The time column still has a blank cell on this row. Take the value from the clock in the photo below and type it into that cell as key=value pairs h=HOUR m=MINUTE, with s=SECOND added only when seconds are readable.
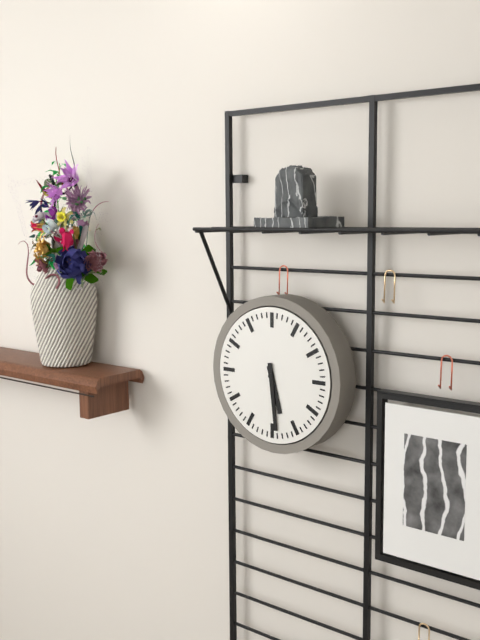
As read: h=5 m=29
